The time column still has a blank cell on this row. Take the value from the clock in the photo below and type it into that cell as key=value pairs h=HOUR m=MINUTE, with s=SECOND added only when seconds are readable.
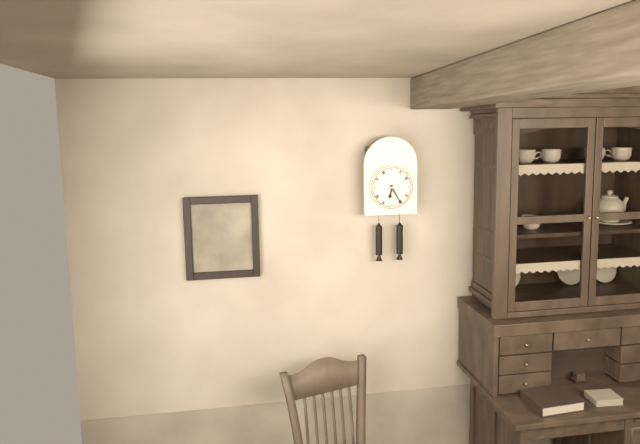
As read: h=6 m=25
